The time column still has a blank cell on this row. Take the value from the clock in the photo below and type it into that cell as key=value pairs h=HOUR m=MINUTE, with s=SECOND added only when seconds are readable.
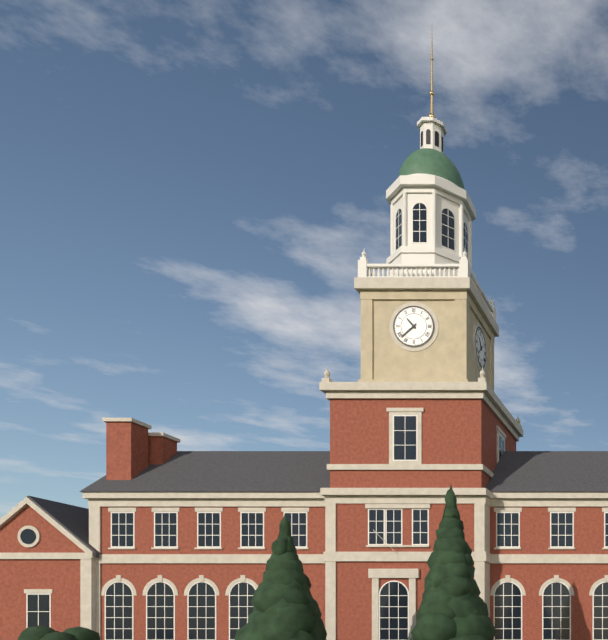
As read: h=10 m=38
